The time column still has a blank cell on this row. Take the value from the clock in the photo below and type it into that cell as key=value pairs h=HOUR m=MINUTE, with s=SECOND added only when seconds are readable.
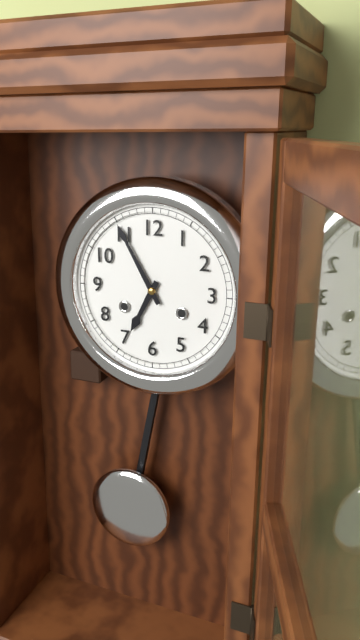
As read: h=6 m=55
